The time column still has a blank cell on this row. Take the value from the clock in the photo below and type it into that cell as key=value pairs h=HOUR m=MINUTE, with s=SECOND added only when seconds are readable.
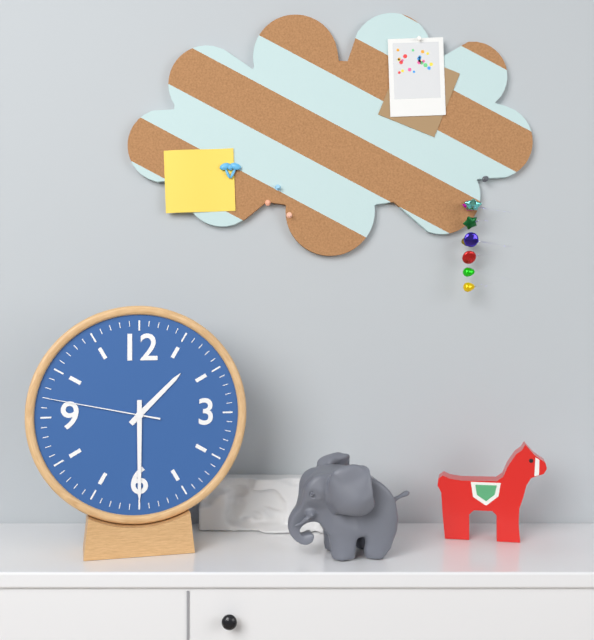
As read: h=1 m=30 s=47
